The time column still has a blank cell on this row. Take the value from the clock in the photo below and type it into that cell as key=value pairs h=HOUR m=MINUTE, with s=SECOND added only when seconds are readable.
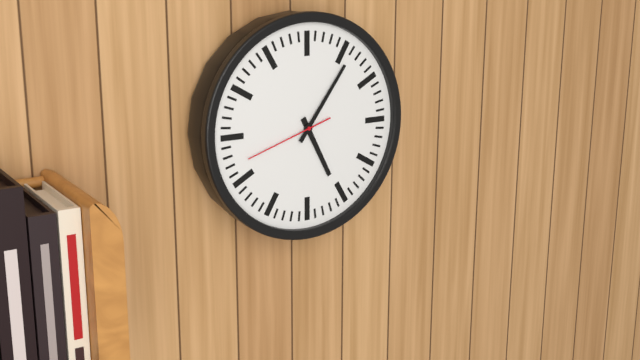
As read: h=5 m=6 s=42
